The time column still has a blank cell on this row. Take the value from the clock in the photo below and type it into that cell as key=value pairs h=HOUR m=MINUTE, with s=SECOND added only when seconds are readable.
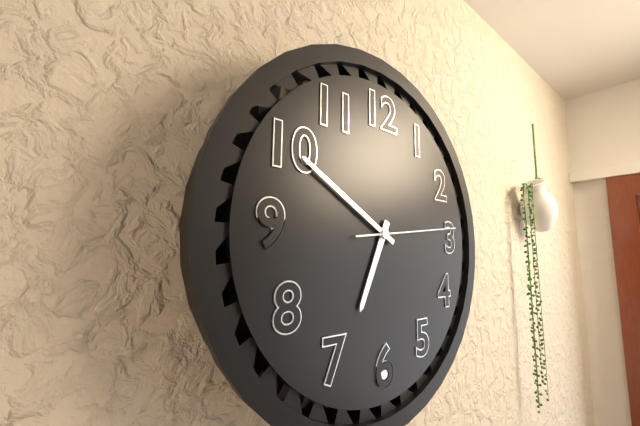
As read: h=6 m=50 s=14
